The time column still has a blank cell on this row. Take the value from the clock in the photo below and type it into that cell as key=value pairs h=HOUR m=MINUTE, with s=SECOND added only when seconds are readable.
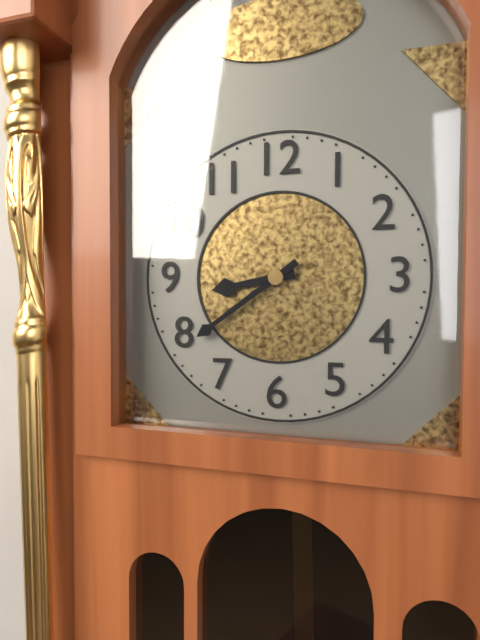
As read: h=8 m=39
